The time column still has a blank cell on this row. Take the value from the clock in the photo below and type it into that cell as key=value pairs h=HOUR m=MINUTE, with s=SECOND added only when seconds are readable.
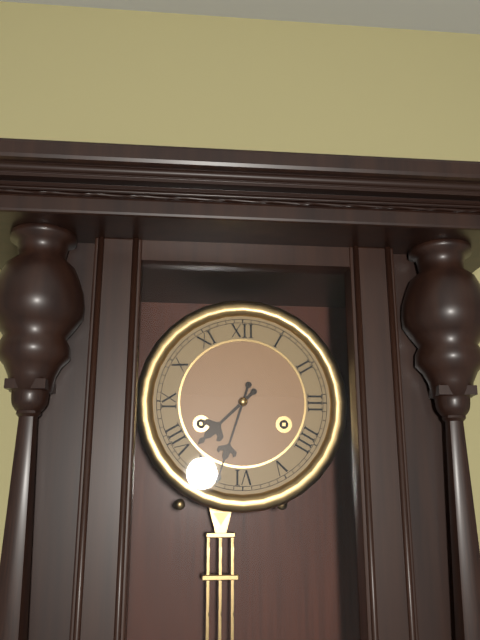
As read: h=7 m=33
